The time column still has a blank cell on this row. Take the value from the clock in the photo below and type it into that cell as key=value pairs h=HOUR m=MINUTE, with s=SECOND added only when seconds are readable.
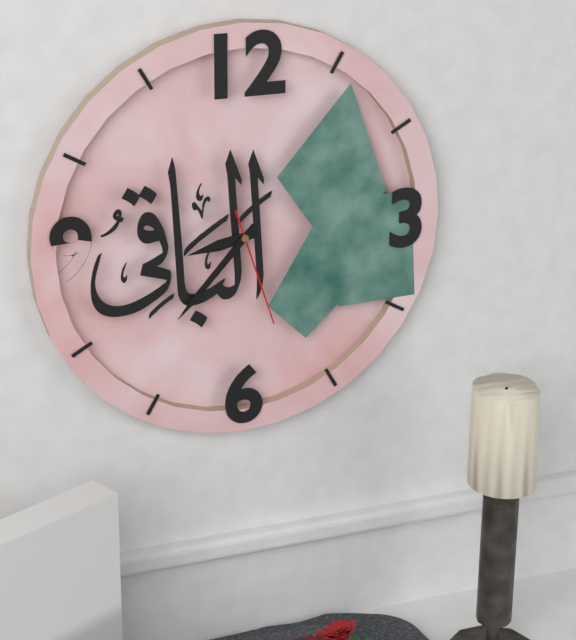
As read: h=8 m=37 s=27
